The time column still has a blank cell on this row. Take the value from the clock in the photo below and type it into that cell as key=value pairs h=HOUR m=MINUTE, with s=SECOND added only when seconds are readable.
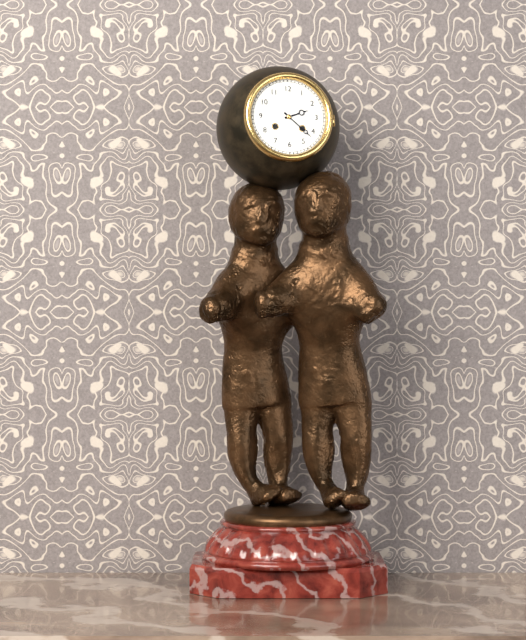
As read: h=2 m=22
